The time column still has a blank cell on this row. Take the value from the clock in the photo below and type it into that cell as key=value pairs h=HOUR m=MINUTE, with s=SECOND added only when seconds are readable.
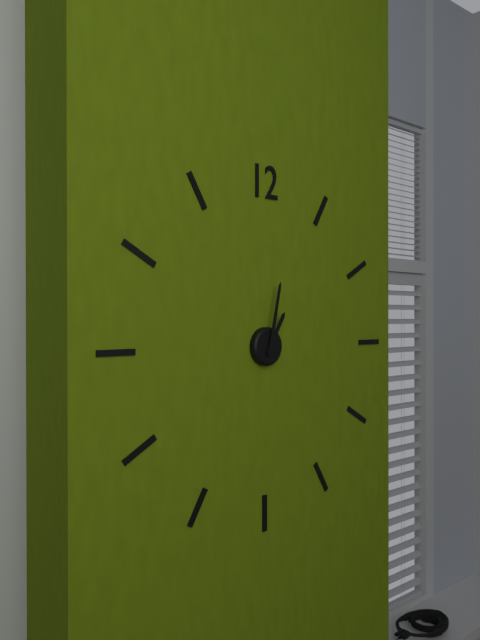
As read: h=1 m=2
